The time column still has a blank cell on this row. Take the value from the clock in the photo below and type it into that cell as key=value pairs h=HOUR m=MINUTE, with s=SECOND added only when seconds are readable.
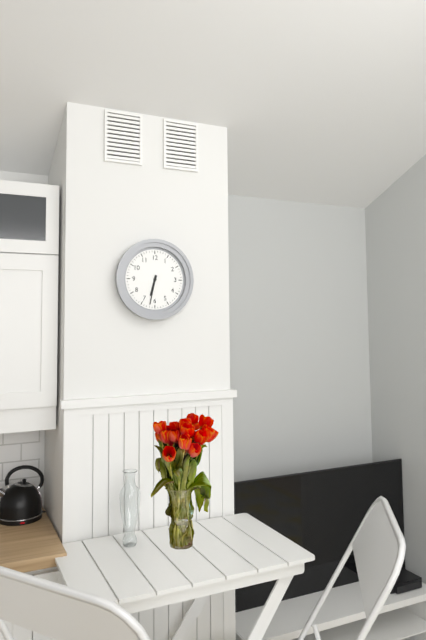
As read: h=6 m=32
